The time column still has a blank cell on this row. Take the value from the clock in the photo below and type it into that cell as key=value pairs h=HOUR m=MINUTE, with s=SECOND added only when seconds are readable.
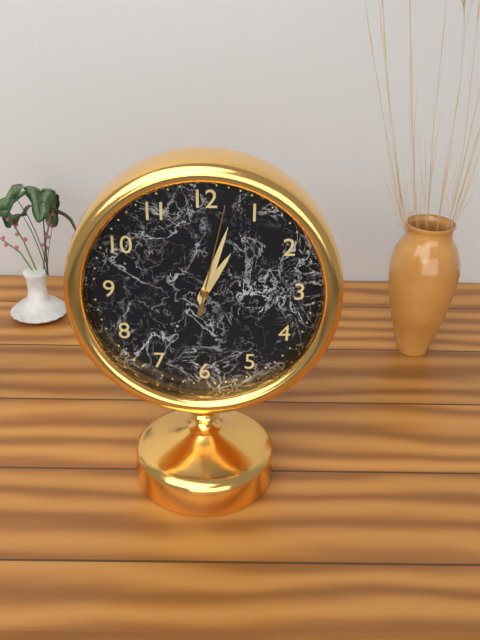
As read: h=1 m=3 s=2
